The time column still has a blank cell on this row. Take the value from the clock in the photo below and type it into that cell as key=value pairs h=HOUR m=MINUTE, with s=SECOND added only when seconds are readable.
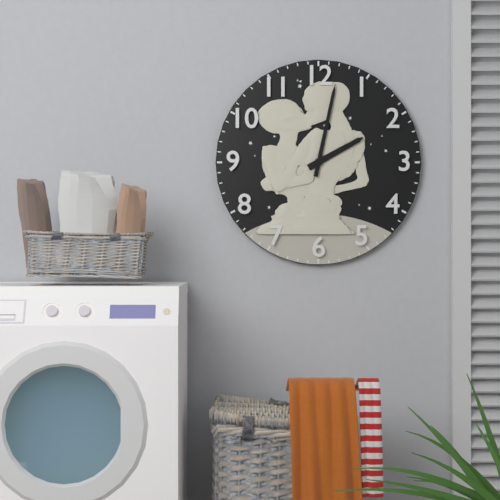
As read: h=2 m=2
